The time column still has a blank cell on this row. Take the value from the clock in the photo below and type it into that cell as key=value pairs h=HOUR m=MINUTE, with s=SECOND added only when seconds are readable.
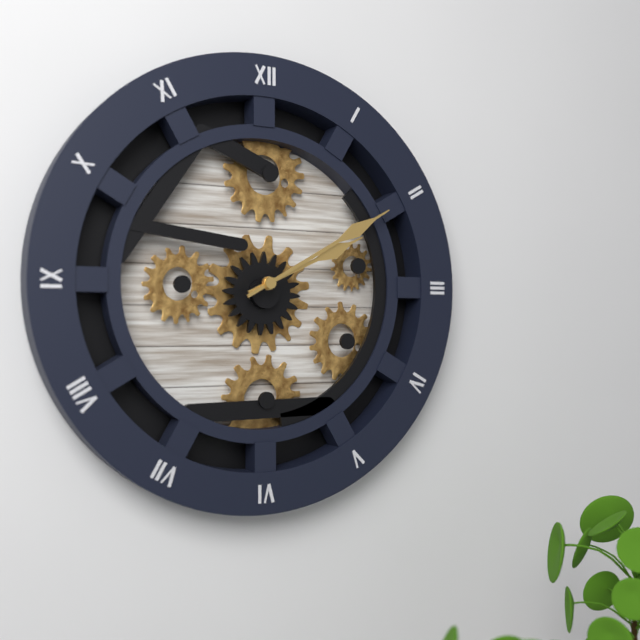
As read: h=2 m=10
